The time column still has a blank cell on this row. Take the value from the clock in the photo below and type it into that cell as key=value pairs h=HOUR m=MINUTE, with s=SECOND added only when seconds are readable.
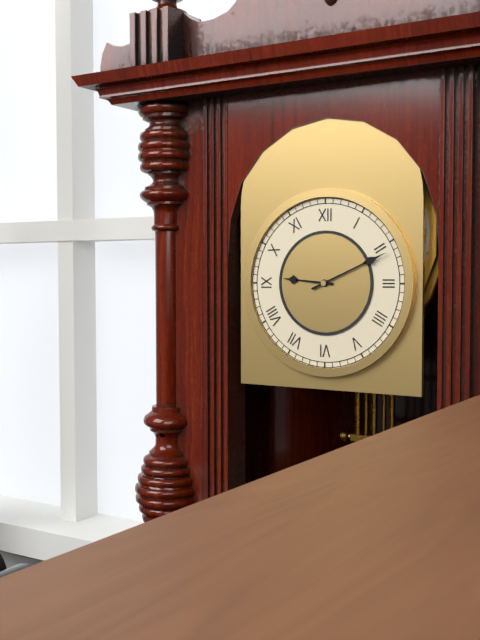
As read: h=9 m=11
